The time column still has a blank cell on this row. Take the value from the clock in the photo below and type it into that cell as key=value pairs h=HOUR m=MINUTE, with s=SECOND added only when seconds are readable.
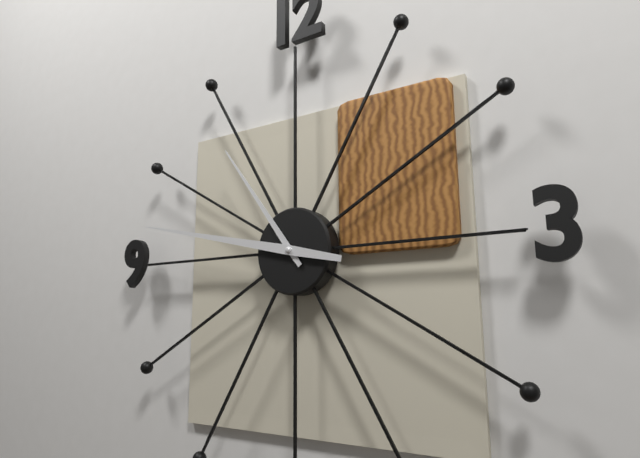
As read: h=10 m=47
